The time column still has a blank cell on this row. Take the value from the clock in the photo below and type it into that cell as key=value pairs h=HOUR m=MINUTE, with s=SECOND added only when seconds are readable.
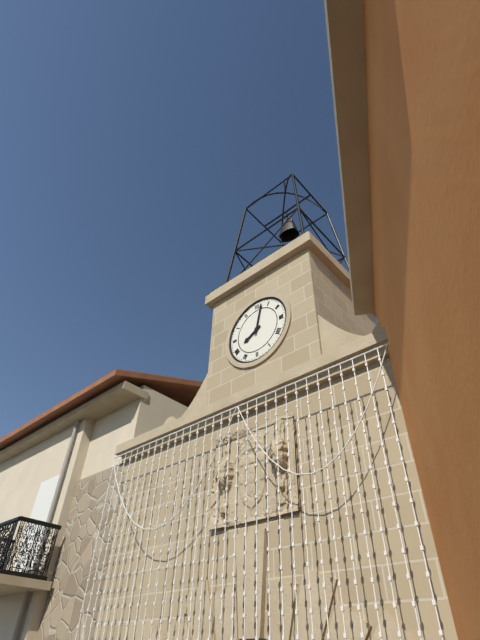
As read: h=8 m=2
